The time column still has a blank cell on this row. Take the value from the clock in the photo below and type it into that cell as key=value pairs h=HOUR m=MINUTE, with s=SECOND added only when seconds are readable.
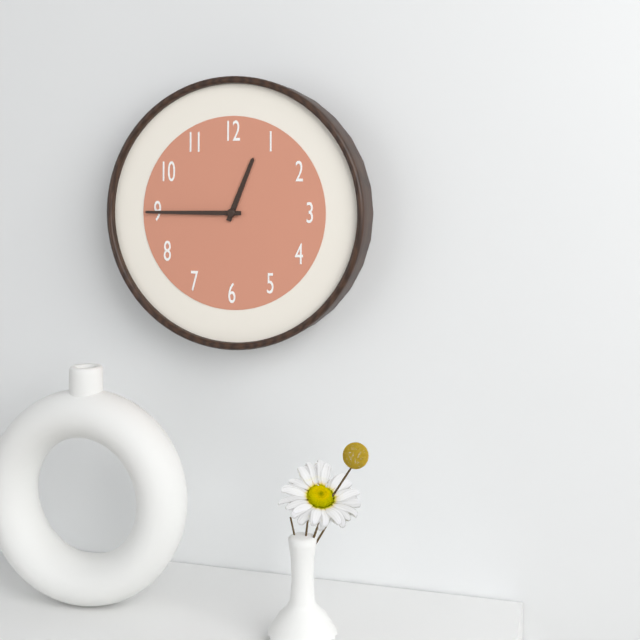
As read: h=12 m=45
